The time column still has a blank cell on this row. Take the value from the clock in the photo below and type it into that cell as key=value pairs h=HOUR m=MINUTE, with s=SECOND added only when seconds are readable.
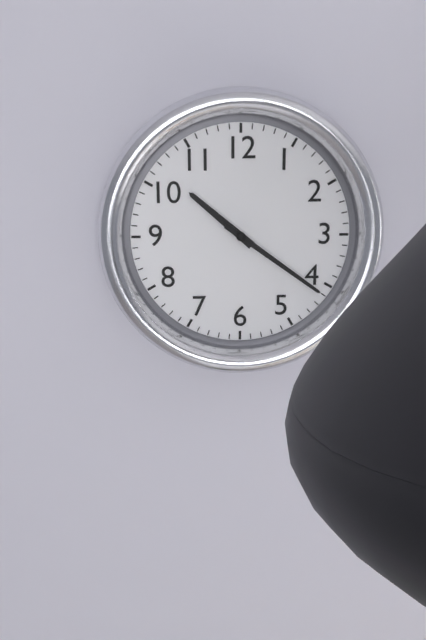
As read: h=10 m=21
